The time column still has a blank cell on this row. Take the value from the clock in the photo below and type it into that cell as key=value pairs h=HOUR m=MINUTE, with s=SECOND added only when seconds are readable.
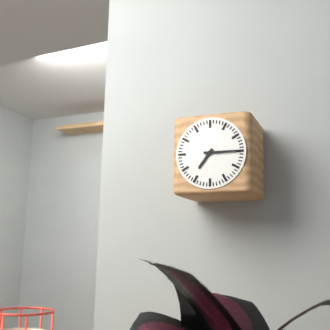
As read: h=7 m=15
